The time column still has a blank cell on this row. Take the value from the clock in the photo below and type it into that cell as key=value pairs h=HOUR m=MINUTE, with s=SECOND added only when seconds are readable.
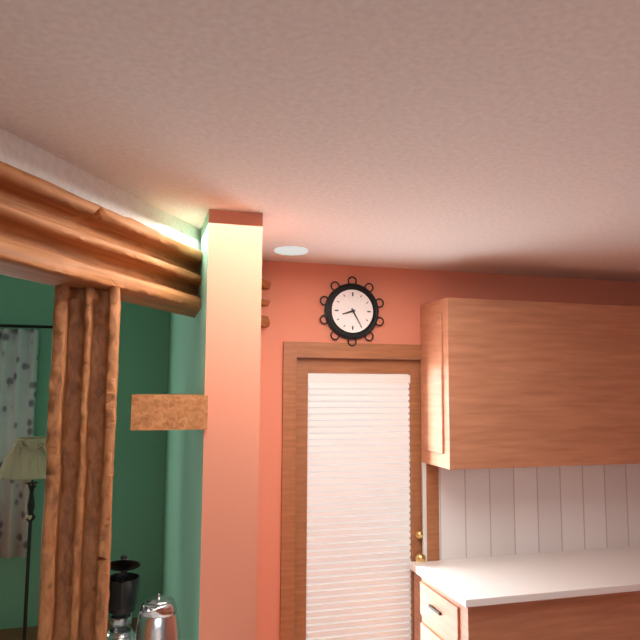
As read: h=8 m=25
